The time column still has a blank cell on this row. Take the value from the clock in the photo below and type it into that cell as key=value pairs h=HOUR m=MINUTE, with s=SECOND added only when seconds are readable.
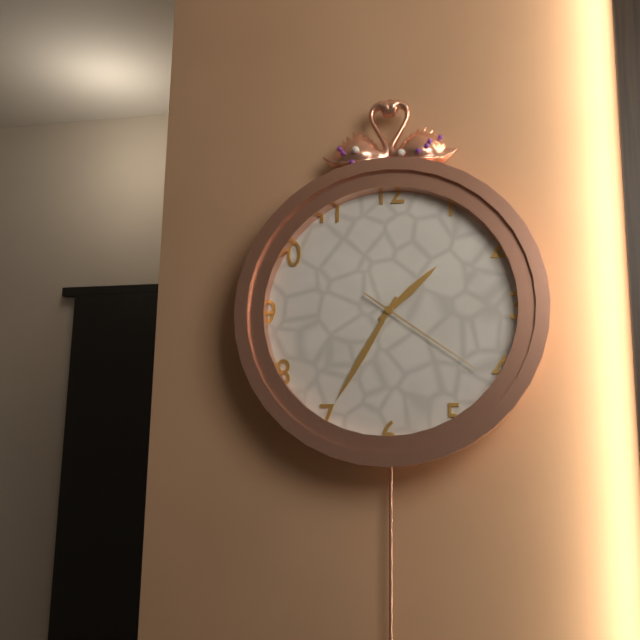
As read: h=1 m=35 s=21
